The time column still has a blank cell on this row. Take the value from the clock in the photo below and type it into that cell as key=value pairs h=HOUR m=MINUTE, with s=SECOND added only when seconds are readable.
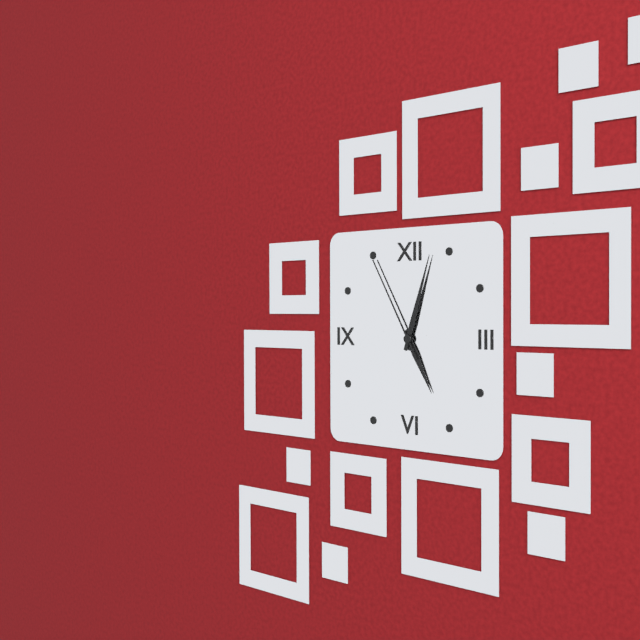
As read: h=5 m=3 s=55
